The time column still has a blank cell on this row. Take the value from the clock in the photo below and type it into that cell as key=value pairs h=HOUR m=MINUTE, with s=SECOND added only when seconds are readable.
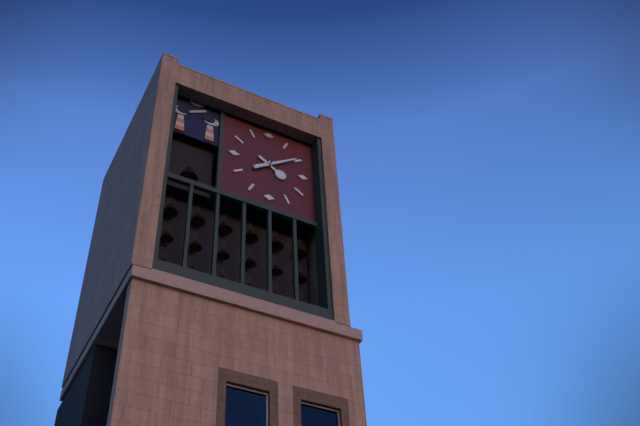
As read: h=4 m=9
